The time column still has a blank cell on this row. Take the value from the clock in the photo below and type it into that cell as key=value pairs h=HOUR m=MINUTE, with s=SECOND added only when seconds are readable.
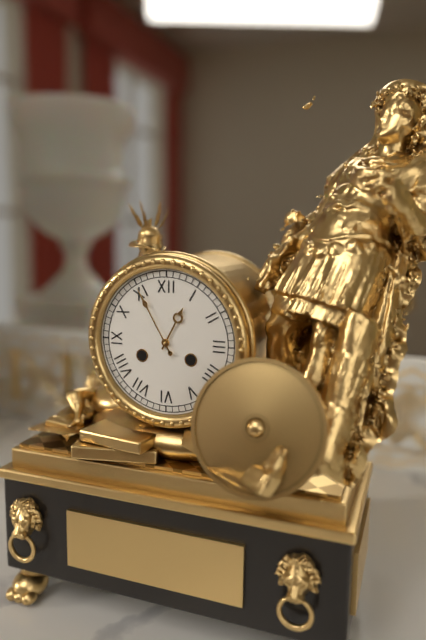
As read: h=12 m=55
